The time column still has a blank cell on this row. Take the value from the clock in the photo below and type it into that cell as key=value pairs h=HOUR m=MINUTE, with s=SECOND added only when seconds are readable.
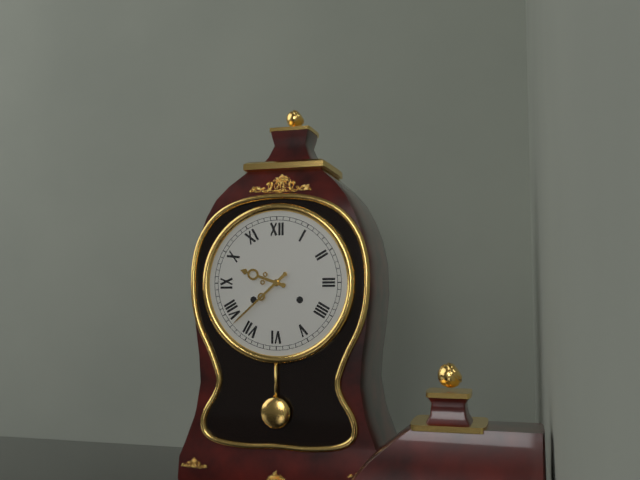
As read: h=9 m=38
